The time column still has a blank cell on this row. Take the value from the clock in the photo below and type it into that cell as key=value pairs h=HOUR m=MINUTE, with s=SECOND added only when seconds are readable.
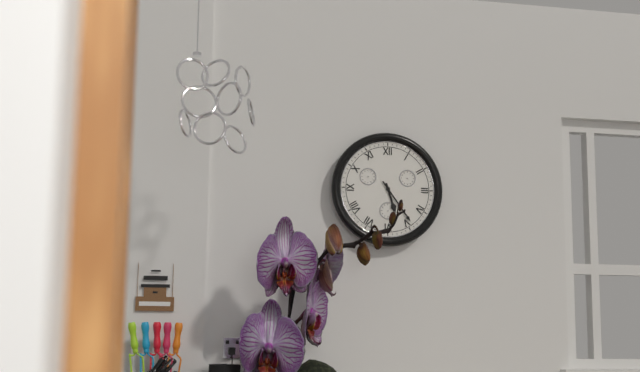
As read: h=5 m=24
